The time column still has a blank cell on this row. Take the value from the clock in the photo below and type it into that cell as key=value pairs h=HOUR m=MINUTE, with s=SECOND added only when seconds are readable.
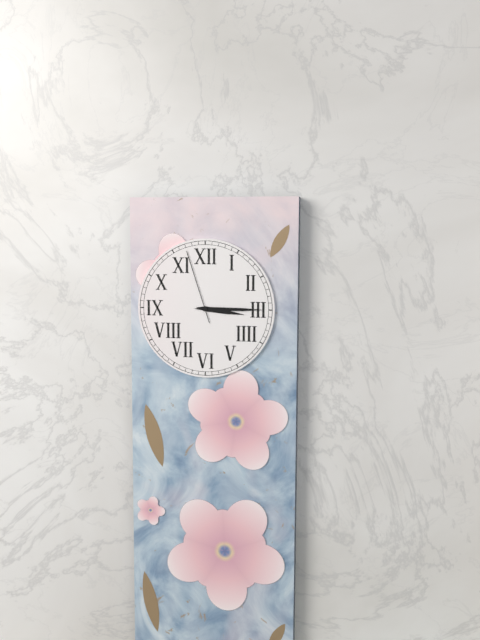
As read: h=3 m=15 s=57
